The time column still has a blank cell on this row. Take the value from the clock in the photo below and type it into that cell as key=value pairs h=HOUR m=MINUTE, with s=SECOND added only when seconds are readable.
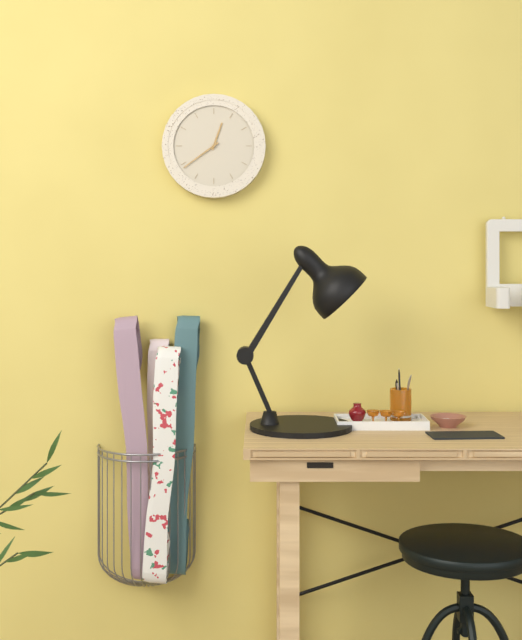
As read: h=12 m=39
